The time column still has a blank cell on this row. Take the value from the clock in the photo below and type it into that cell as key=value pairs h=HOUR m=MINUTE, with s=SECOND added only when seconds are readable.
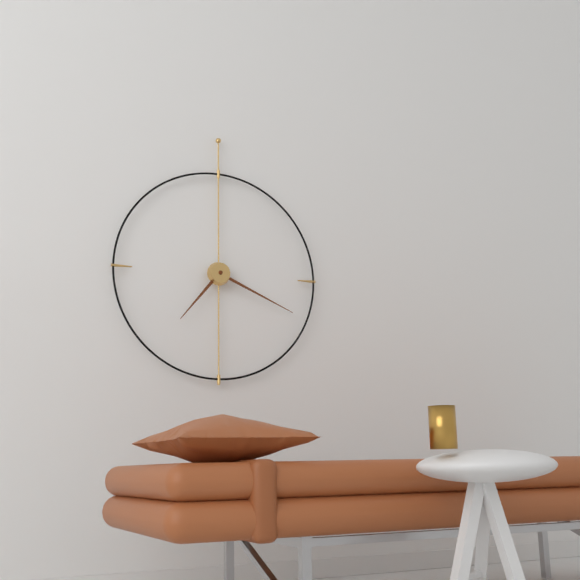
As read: h=7 m=19
